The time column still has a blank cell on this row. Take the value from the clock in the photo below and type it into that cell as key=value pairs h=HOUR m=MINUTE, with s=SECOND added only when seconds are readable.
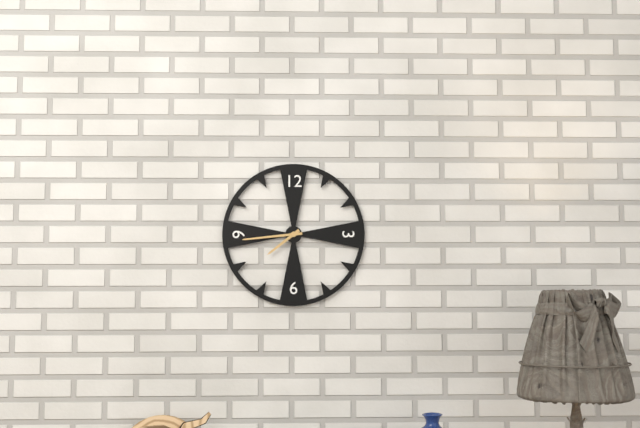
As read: h=7 m=44
